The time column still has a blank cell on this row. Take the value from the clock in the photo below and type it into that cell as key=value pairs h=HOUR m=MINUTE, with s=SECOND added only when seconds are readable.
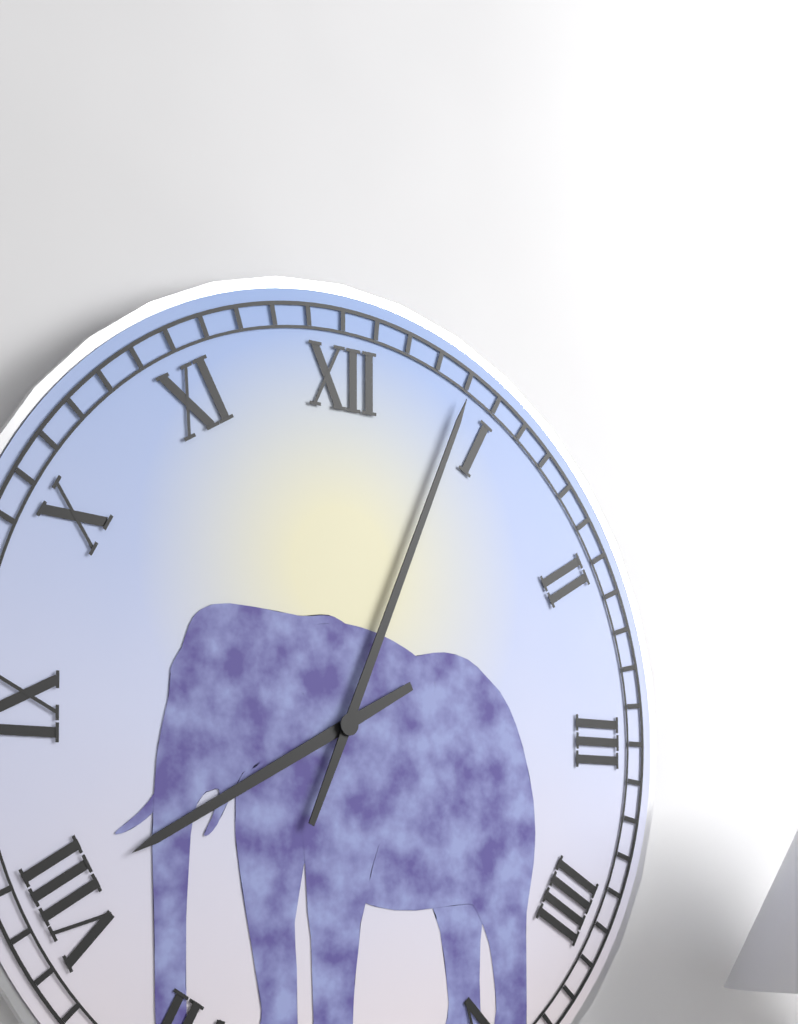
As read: h=8 m=4
